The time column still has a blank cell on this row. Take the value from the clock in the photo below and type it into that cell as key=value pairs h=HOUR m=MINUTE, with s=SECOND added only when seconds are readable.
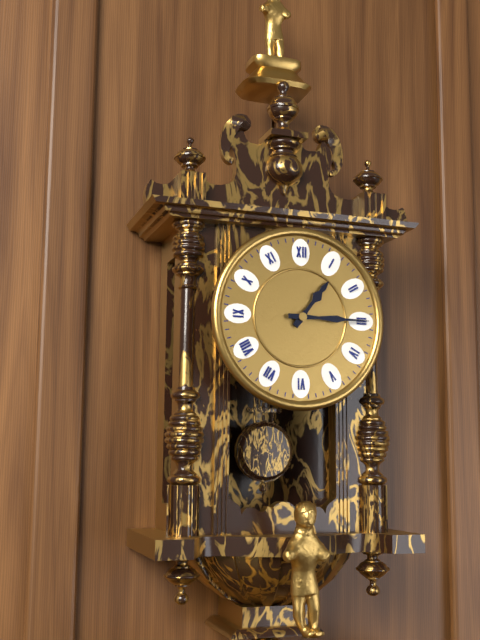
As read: h=1 m=15
